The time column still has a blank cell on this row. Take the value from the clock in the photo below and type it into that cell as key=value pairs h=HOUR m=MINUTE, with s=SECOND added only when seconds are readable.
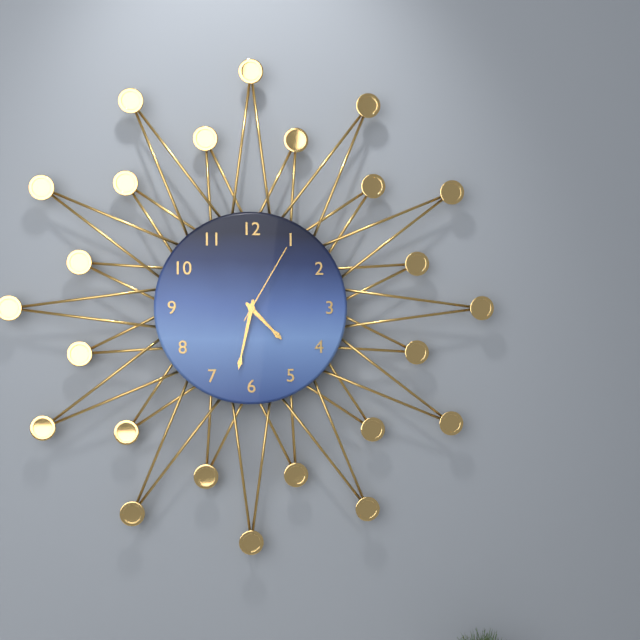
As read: h=4 m=32 s=5
